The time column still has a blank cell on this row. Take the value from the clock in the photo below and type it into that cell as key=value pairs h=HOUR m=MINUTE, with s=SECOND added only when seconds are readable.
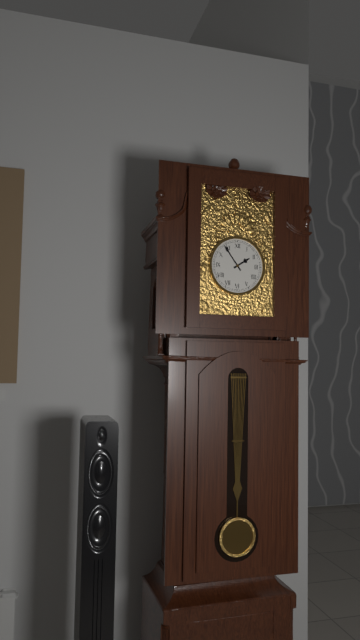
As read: h=1 m=54
